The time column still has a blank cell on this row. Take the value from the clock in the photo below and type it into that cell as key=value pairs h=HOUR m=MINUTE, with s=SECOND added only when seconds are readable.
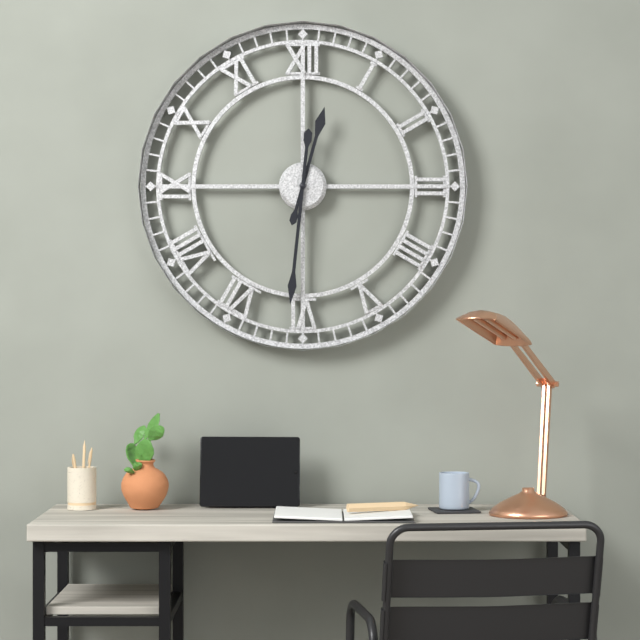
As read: h=12 m=31
